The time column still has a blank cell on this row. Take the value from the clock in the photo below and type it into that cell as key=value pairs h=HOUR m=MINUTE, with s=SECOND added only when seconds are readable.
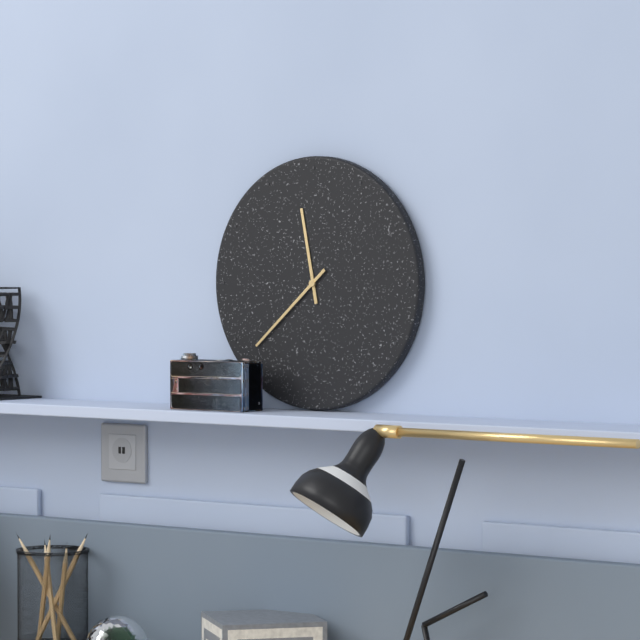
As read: h=11 m=38
